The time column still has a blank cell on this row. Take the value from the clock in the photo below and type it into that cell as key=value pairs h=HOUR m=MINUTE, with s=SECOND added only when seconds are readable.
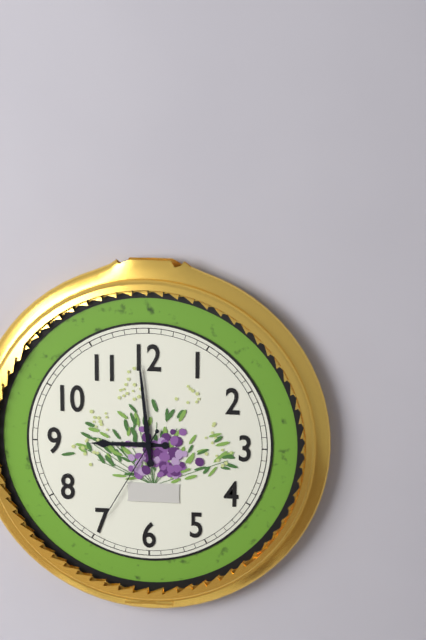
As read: h=8 m=59 s=35
